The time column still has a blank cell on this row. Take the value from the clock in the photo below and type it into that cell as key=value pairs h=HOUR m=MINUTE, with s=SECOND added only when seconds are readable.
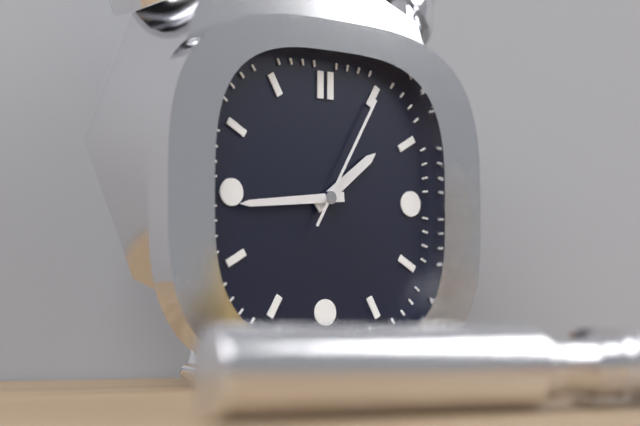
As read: h=1 m=44 s=5
